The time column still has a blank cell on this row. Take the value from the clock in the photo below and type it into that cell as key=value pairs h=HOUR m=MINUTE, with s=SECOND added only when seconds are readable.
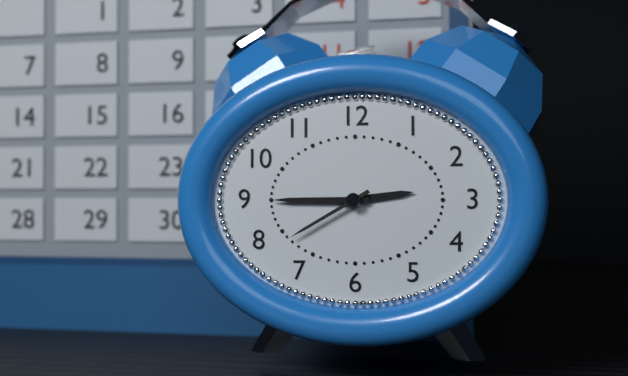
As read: h=2 m=45 s=40
